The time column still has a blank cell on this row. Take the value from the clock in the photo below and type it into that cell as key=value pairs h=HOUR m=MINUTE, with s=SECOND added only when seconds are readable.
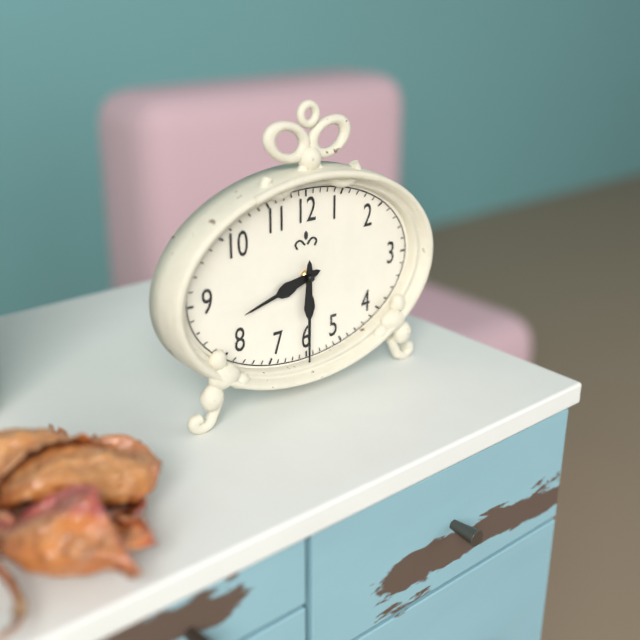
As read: h=8 m=30
